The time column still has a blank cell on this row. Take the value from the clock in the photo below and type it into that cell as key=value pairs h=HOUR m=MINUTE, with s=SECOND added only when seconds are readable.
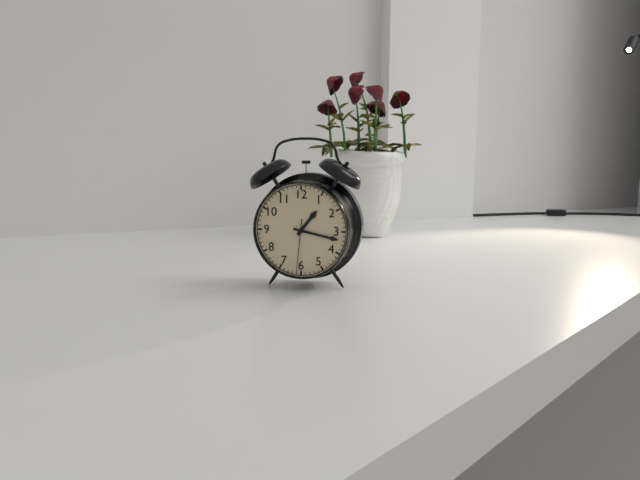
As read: h=1 m=17 s=31
